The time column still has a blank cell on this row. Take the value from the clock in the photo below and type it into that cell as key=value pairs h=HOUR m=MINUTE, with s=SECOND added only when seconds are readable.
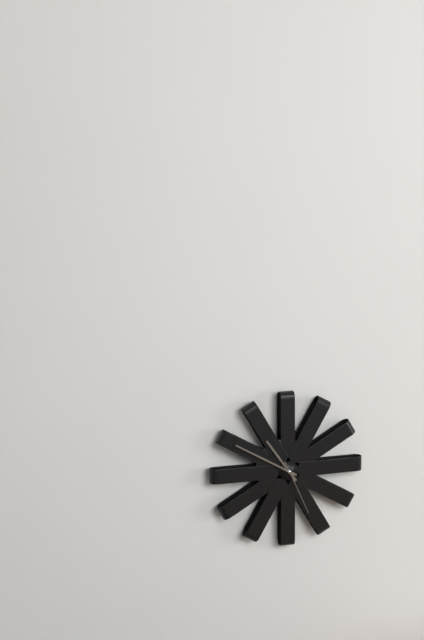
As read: h=10 m=50 s=26
